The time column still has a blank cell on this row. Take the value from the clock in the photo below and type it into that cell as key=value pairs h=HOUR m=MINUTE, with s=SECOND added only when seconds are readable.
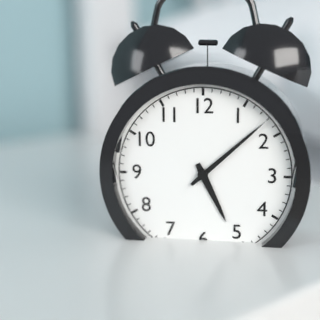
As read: h=5 m=8
